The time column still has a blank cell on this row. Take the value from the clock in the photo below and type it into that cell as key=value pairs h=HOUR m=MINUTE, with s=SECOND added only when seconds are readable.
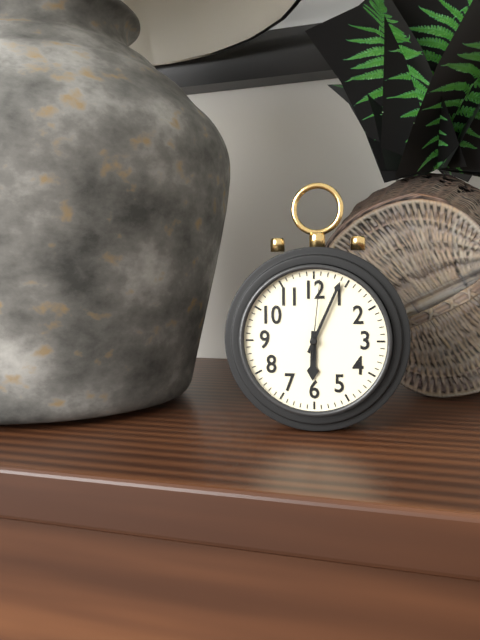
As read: h=6 m=4 s=1
